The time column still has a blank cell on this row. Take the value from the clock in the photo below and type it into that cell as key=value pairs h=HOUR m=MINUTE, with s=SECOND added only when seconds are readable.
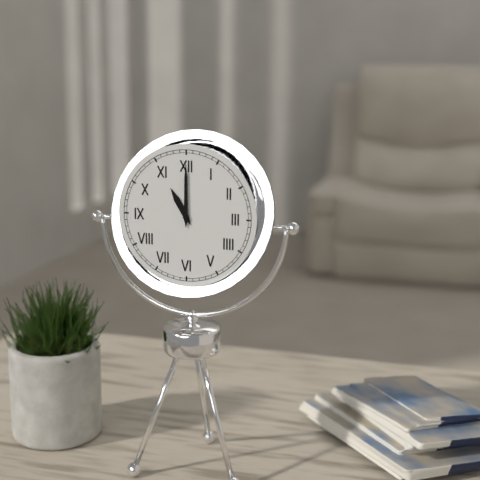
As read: h=11 m=0
